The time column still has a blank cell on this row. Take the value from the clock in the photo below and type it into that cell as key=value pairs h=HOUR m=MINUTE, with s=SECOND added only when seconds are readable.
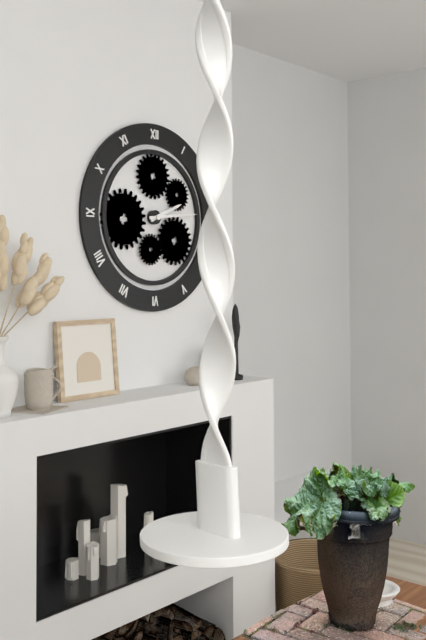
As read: h=2 m=14
